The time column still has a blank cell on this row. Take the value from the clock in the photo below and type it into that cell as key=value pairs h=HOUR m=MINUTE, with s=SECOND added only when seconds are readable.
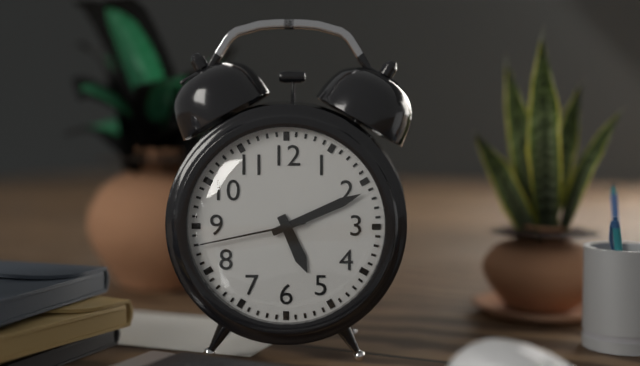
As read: h=5 m=11 s=43
